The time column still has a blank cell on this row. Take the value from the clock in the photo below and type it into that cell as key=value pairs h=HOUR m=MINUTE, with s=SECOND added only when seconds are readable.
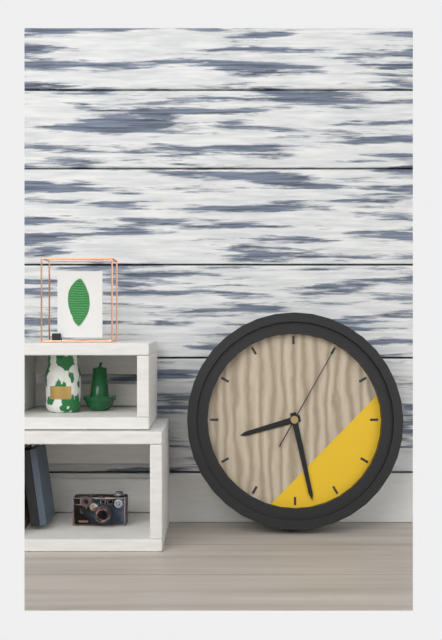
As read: h=8 m=28 s=5
